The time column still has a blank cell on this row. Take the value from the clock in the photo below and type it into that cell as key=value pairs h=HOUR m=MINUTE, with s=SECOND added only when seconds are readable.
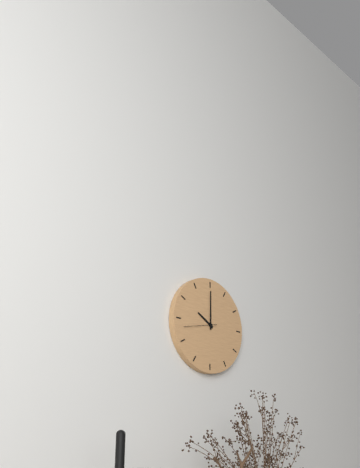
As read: h=10 m=0
